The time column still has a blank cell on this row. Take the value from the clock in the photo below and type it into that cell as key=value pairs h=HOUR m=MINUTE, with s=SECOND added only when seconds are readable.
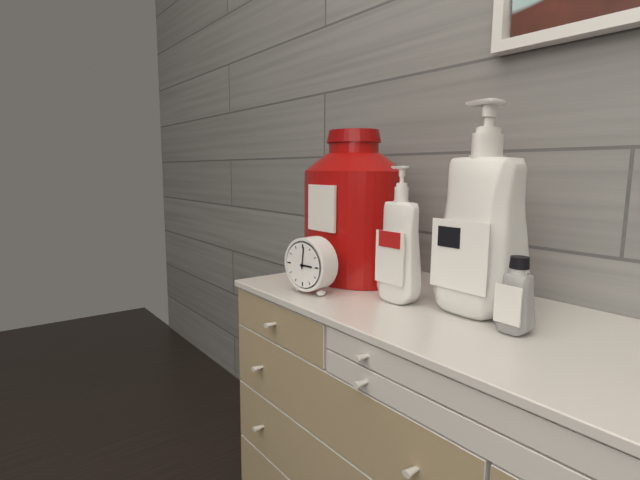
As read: h=3 m=1
